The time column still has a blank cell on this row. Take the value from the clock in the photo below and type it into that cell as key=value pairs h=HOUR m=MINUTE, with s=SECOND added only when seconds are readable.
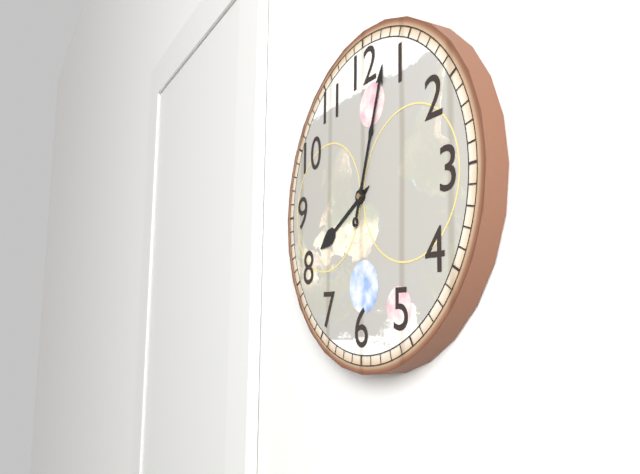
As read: h=8 m=3
